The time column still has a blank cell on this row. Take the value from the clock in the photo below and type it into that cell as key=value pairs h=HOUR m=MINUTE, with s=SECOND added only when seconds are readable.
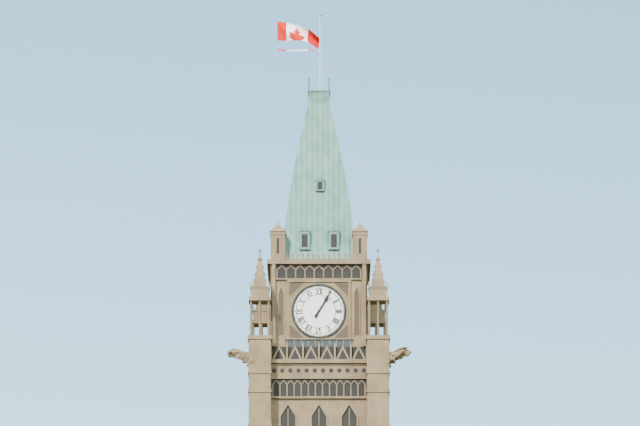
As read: h=1 m=5
